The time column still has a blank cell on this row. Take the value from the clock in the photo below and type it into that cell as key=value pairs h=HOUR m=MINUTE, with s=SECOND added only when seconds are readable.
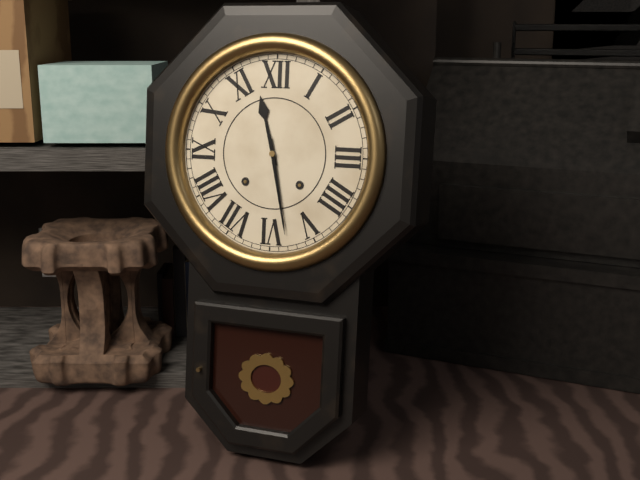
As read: h=11 m=28
